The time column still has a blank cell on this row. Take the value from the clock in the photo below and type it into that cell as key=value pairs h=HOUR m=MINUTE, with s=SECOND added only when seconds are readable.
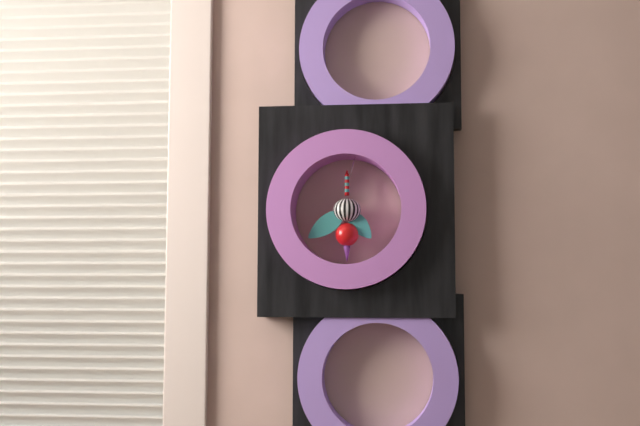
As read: h=4 m=39
